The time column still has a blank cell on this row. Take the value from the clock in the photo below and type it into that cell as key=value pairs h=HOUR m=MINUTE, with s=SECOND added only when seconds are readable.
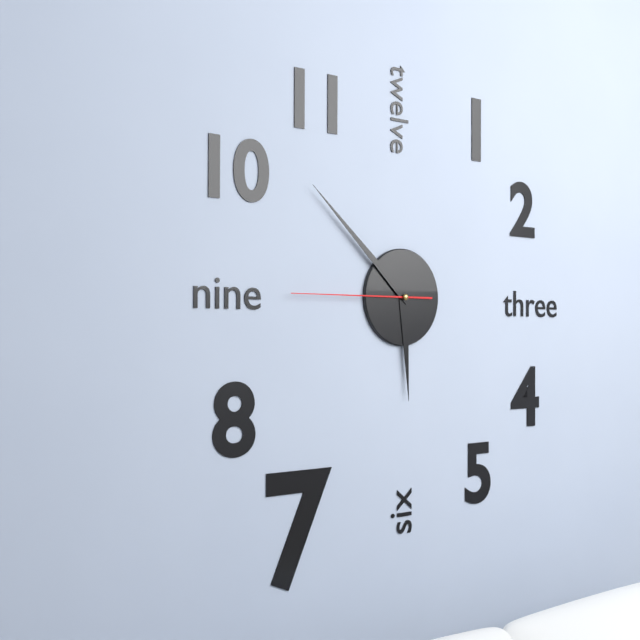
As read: h=5 m=52 s=45
